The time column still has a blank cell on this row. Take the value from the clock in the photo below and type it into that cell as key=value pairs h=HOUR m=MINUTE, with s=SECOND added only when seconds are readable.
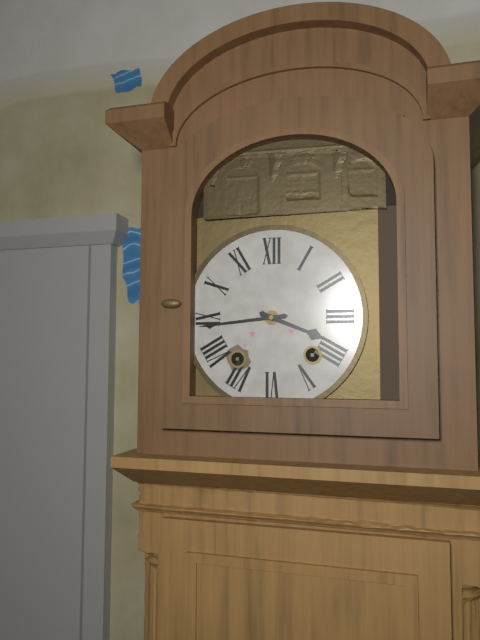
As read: h=3 m=44
